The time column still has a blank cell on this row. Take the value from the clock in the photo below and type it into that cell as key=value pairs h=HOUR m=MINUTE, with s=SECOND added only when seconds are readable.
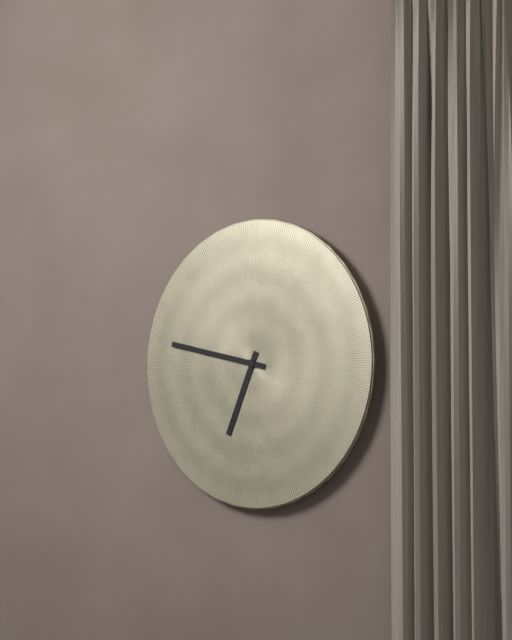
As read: h=6 m=47
